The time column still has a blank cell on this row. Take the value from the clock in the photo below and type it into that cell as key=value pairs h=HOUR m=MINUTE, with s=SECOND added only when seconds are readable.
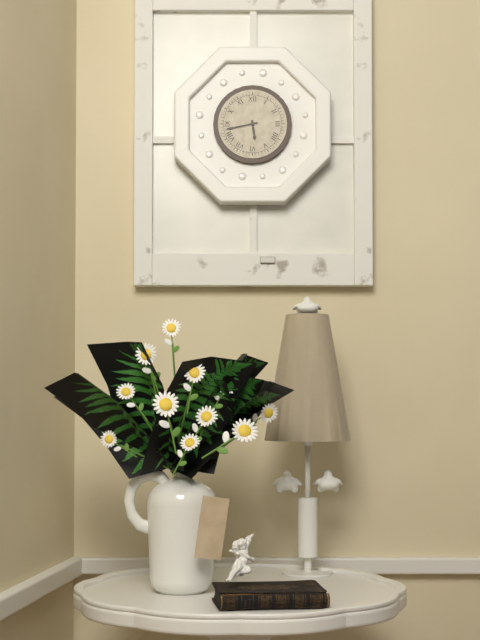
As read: h=5 m=43
